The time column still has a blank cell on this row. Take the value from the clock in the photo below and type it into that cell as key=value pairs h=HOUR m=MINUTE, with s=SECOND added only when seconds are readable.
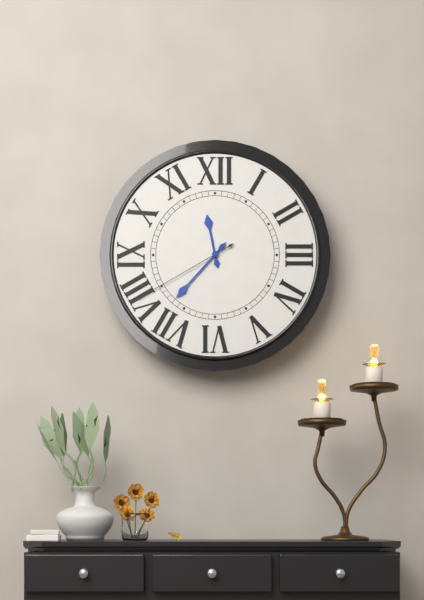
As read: h=11 m=37 s=40
